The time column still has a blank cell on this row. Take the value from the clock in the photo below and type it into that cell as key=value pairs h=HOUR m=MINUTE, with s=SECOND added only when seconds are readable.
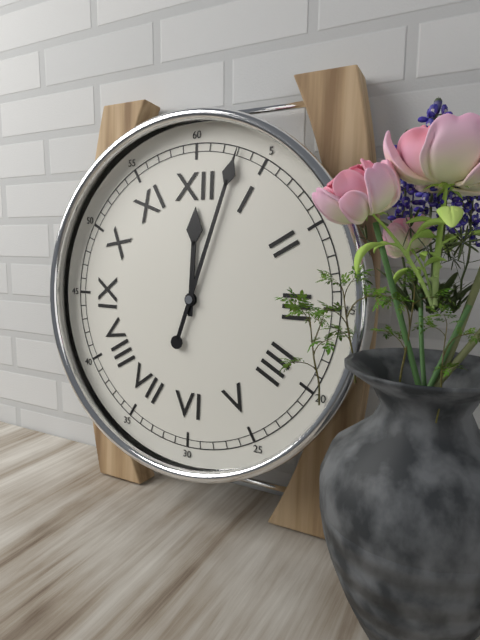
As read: h=12 m=3
